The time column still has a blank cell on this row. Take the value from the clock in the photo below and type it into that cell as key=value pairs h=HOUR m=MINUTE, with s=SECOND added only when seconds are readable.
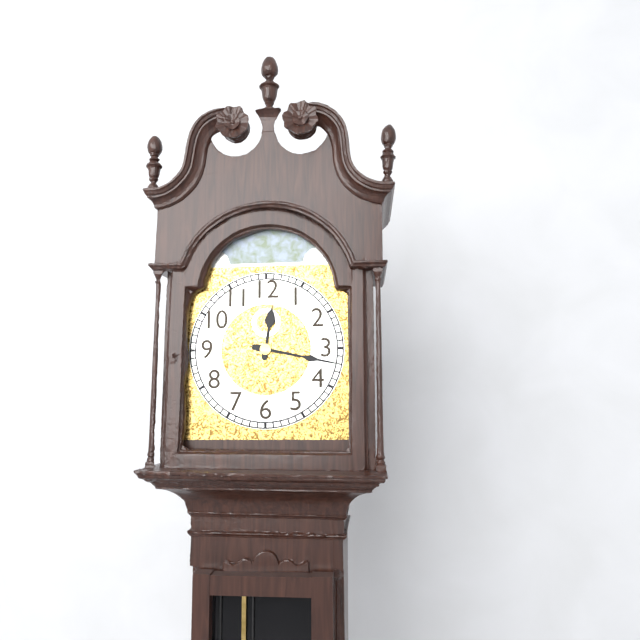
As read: h=12 m=17
